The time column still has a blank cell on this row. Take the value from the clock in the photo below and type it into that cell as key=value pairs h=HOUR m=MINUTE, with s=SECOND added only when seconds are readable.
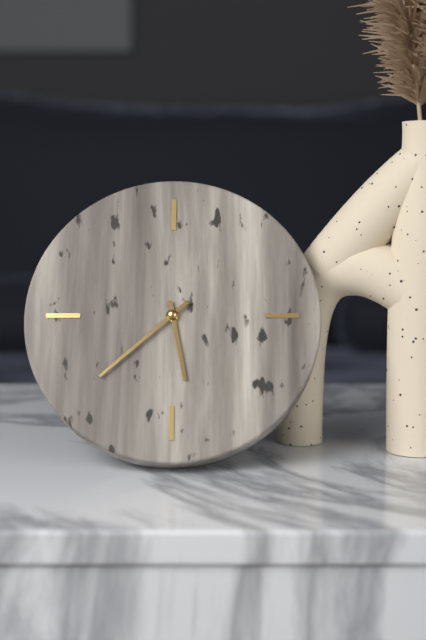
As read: h=5 m=38
